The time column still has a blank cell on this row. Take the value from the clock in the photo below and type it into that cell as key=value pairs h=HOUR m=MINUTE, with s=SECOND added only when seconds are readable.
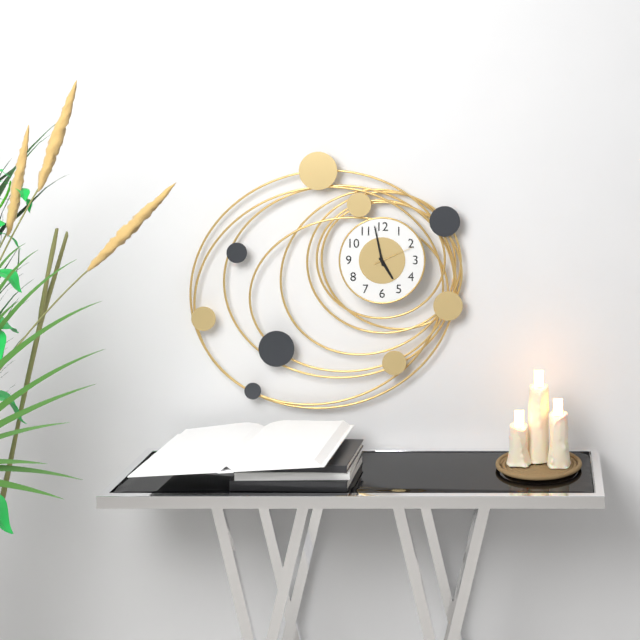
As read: h=4 m=58
